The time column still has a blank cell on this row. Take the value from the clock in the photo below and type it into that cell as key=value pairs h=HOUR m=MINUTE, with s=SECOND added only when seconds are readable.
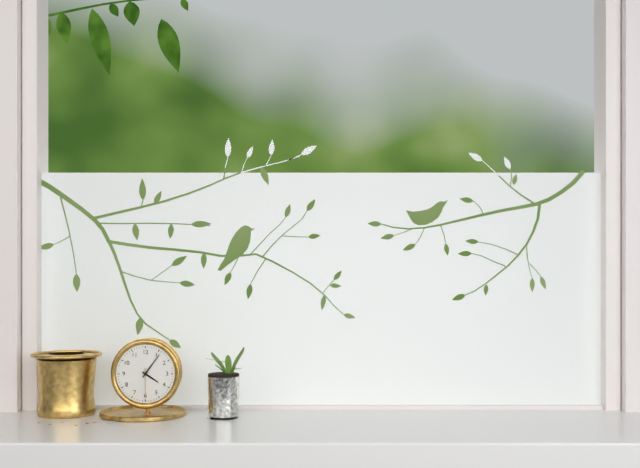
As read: h=4 m=6
